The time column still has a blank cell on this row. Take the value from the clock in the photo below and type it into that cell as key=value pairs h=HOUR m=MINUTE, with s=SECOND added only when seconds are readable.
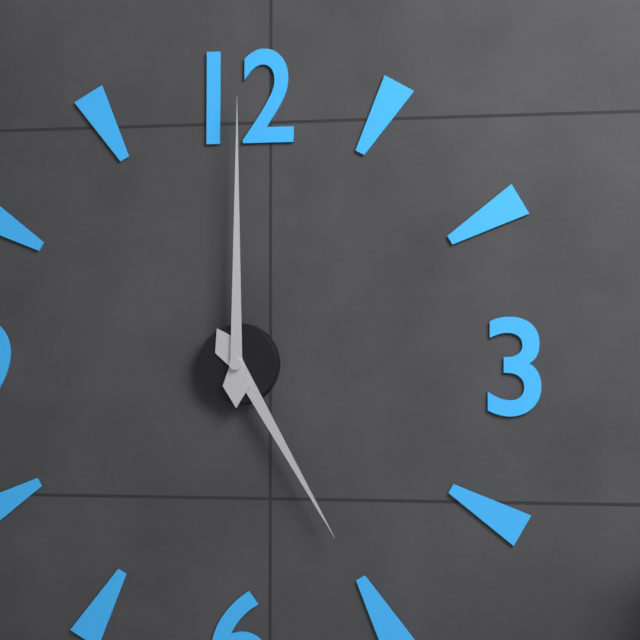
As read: h=5 m=0
